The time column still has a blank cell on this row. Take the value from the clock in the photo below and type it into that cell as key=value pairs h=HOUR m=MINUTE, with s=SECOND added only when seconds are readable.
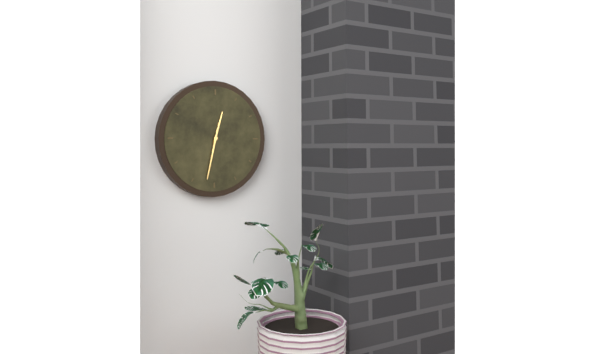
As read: h=12 m=32
